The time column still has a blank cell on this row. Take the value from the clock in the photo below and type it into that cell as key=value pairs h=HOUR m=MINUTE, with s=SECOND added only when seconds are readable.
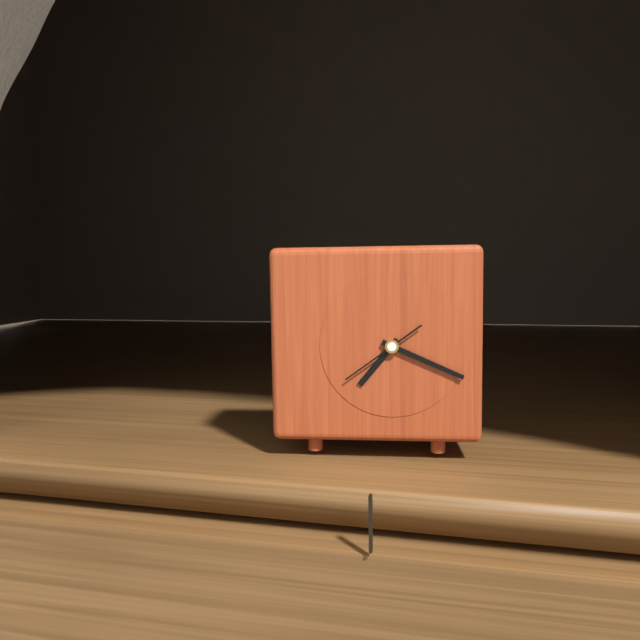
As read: h=7 m=19 s=39
